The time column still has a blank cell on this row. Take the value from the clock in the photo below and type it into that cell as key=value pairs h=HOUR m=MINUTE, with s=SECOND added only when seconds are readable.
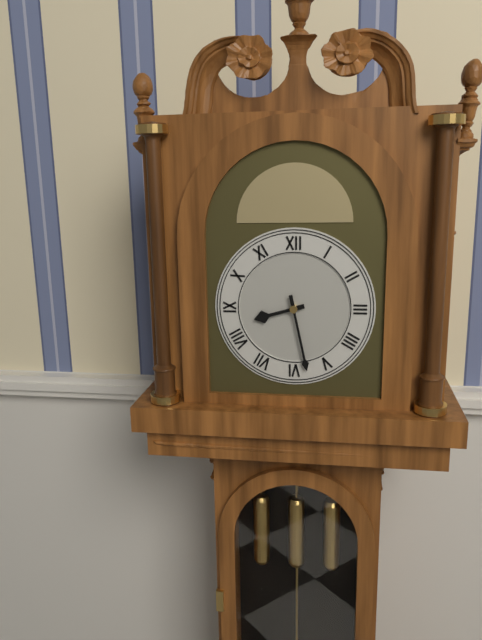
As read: h=8 m=28
